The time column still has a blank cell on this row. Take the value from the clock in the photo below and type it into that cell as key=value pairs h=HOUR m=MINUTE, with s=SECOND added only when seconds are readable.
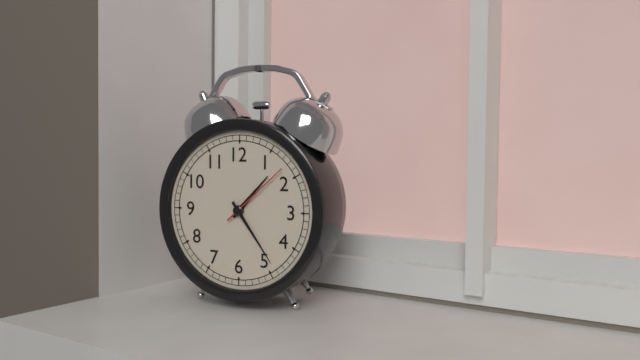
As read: h=1 m=24 s=8
